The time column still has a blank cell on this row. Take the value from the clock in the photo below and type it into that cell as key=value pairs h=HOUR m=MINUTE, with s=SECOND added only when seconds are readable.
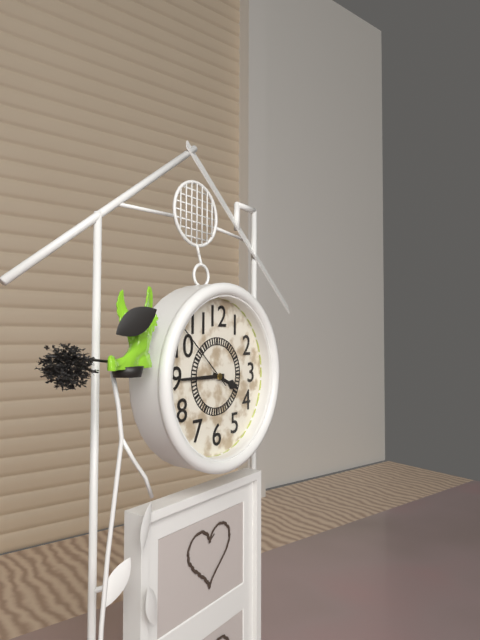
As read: h=3 m=45 s=52
